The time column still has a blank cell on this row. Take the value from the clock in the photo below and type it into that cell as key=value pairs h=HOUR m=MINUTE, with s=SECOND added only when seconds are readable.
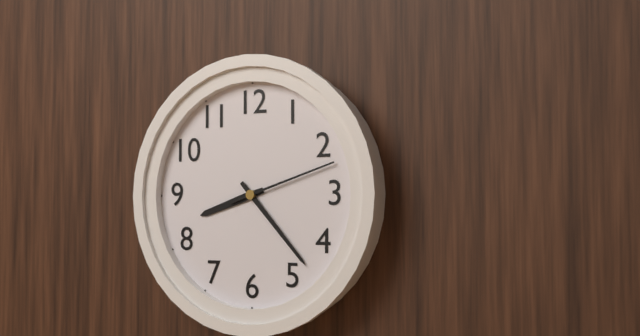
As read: h=8 m=23 s=12
